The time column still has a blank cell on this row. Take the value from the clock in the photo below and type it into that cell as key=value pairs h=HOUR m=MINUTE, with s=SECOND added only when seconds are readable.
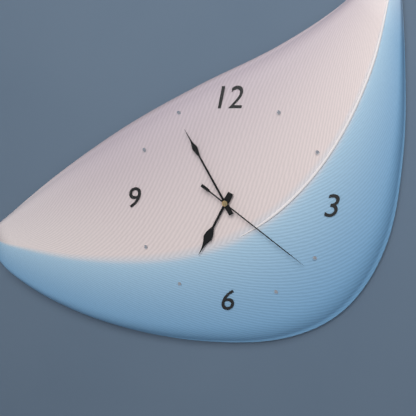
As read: h=6 m=55 s=21
